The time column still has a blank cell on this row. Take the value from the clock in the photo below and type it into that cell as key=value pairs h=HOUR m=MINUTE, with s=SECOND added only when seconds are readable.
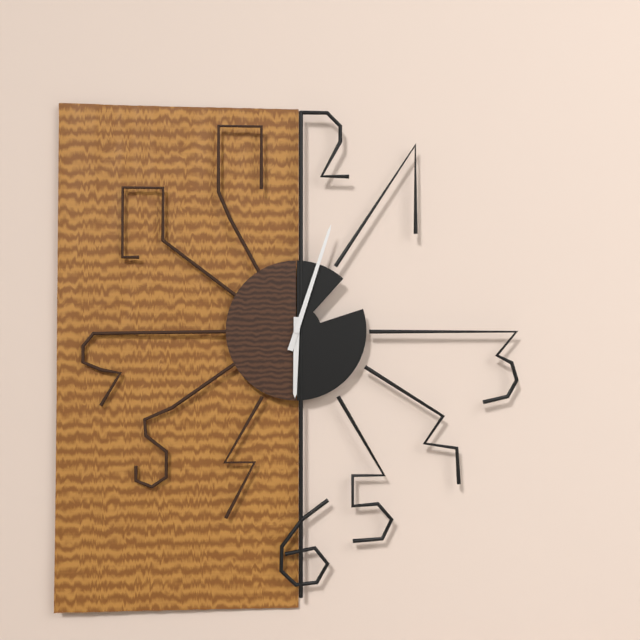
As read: h=6 m=3
